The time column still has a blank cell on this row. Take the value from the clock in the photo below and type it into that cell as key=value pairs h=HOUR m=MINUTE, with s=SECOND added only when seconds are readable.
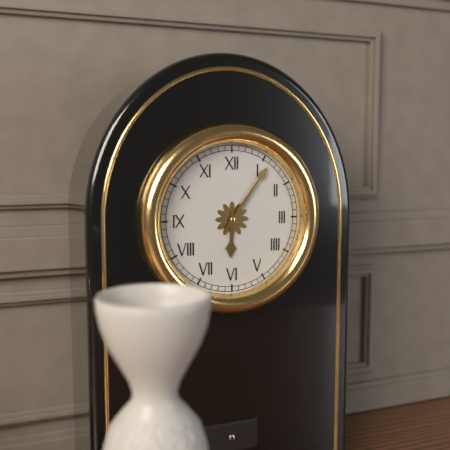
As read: h=6 m=6
